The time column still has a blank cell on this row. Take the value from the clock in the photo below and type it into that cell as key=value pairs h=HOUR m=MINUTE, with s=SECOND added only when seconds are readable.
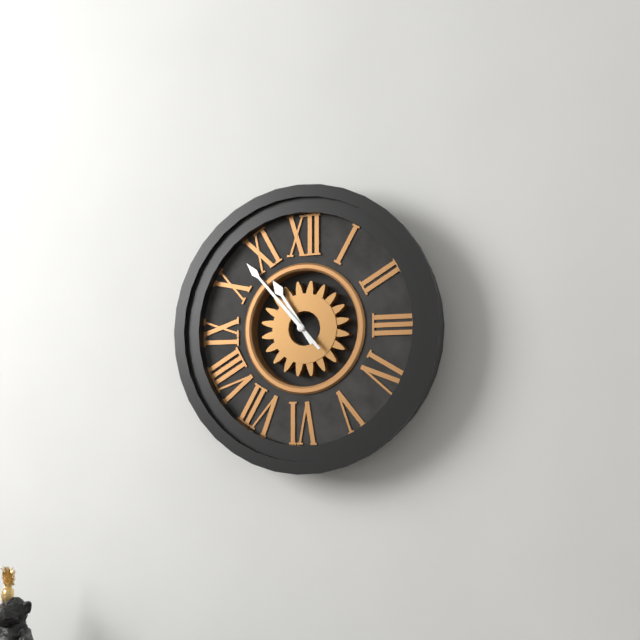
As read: h=10 m=53
